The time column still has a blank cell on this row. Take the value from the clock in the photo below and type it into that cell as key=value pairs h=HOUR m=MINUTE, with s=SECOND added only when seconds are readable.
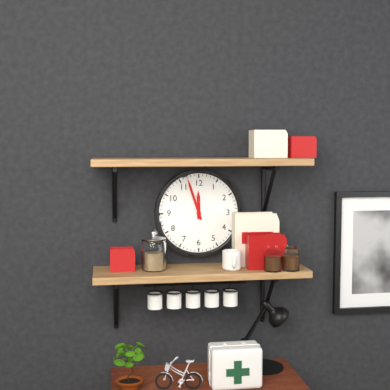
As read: h=11 m=57
